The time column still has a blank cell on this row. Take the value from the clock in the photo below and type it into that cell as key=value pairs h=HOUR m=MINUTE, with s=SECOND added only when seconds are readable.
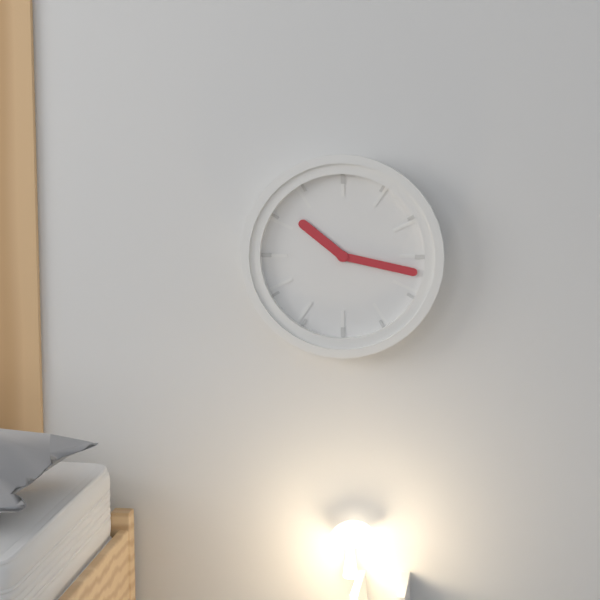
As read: h=10 m=17
